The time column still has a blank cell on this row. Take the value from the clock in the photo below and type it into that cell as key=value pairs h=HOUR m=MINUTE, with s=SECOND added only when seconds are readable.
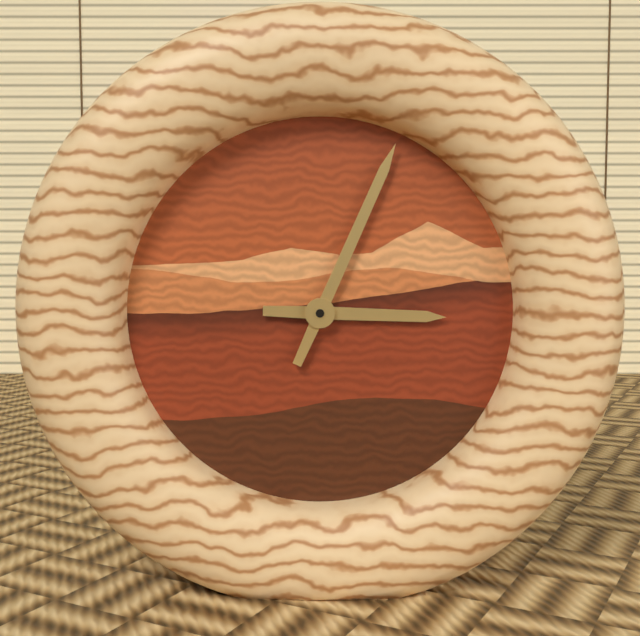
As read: h=3 m=4
